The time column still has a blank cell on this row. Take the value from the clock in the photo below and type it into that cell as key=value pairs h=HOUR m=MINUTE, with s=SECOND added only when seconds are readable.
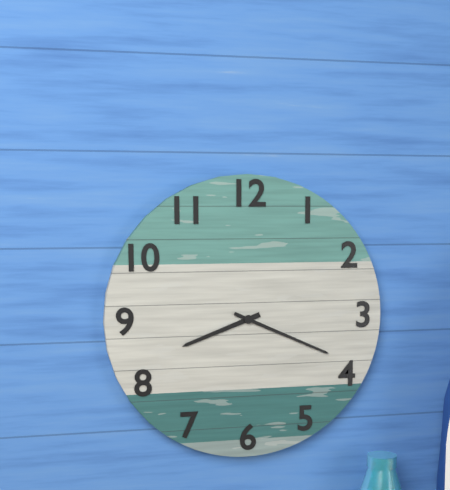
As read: h=8 m=19
